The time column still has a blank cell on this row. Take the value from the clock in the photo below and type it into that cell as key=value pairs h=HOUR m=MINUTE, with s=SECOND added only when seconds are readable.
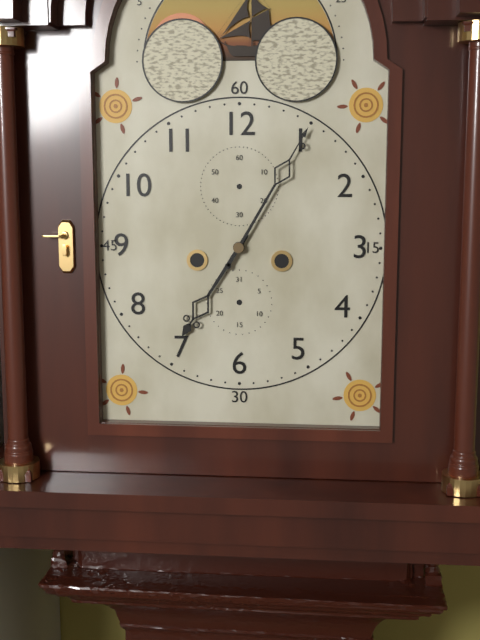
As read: h=7 m=5
